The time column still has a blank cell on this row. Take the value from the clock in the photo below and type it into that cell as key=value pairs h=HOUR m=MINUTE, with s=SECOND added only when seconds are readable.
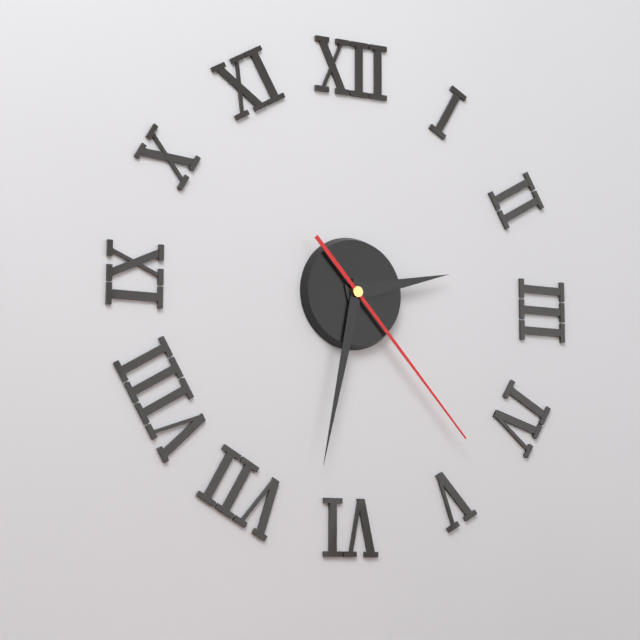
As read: h=2 m=32 s=23
